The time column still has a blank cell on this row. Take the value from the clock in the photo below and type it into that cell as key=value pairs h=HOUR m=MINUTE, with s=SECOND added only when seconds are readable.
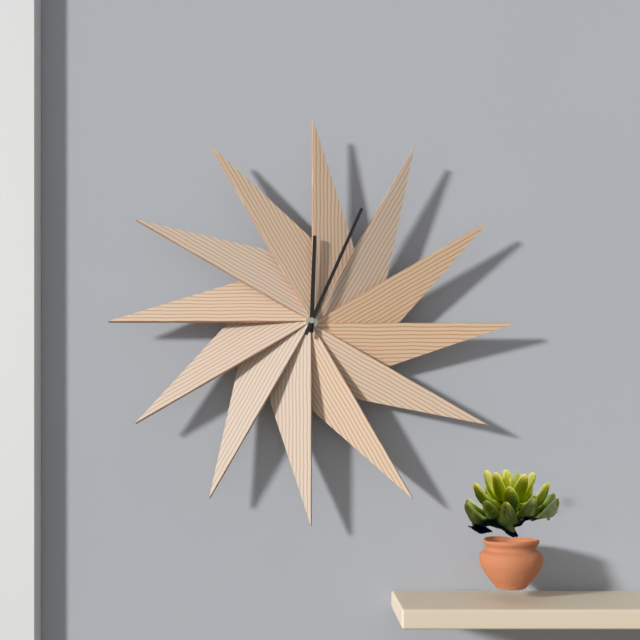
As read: h=12 m=4
